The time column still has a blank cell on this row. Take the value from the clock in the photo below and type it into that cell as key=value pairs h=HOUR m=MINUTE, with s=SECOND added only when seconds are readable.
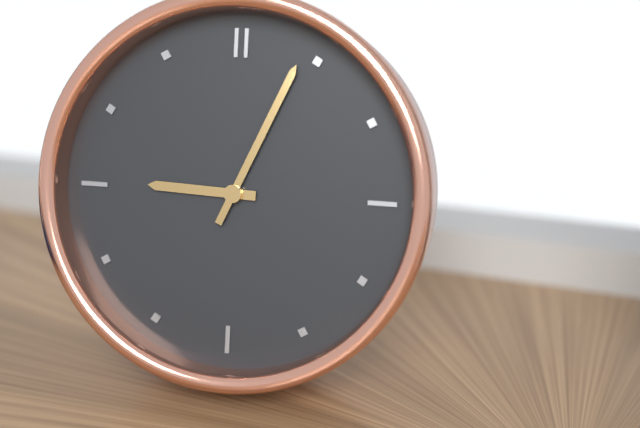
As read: h=9 m=4
